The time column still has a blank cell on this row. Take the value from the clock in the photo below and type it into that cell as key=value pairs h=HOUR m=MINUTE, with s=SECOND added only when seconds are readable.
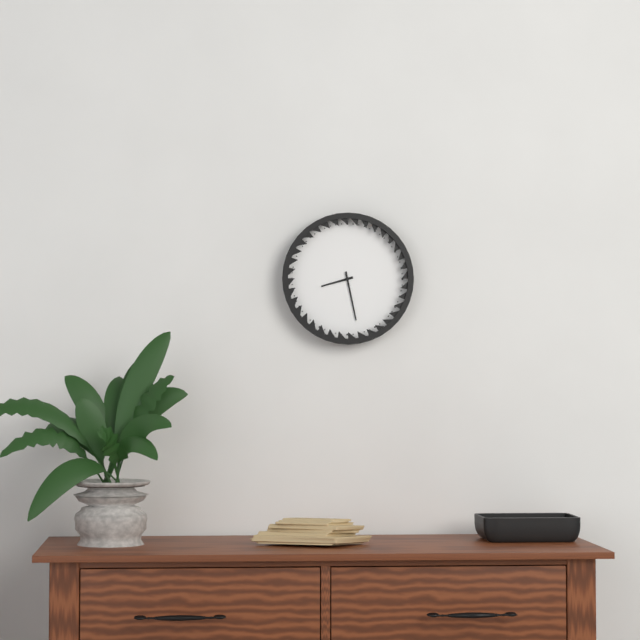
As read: h=8 m=28
